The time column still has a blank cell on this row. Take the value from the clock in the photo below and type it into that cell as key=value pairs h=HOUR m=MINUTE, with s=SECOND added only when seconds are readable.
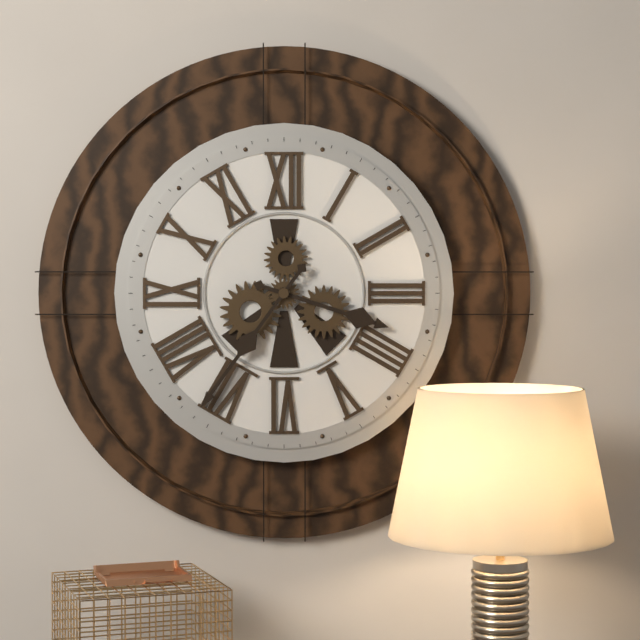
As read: h=3 m=36
